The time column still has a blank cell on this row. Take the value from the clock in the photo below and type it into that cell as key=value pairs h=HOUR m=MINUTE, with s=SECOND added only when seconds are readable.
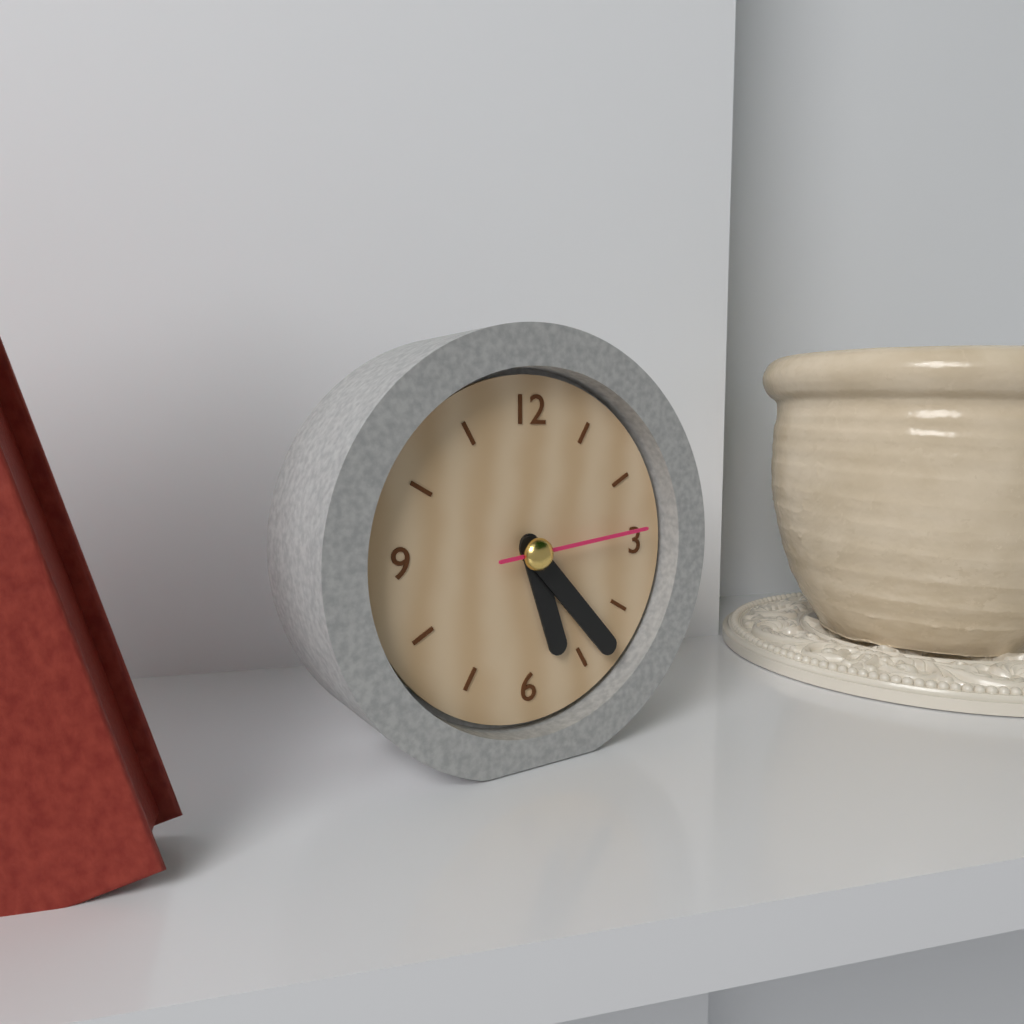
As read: h=5 m=23 s=14
